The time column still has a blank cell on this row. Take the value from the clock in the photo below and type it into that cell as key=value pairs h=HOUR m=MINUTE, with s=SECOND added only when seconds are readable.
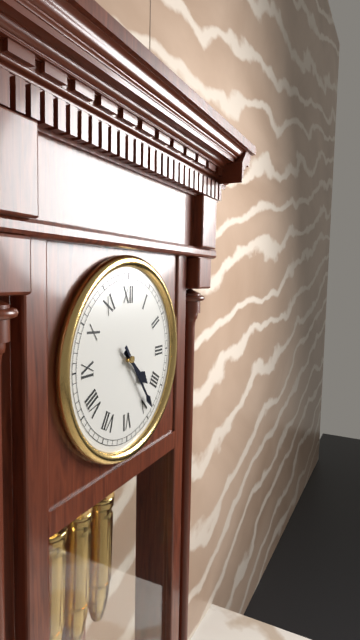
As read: h=4 m=24
